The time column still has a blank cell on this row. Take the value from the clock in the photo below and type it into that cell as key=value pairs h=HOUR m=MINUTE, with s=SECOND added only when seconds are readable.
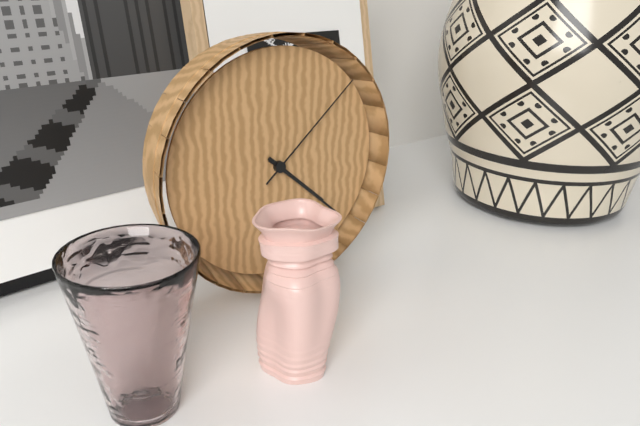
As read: h=4 m=22 s=8
